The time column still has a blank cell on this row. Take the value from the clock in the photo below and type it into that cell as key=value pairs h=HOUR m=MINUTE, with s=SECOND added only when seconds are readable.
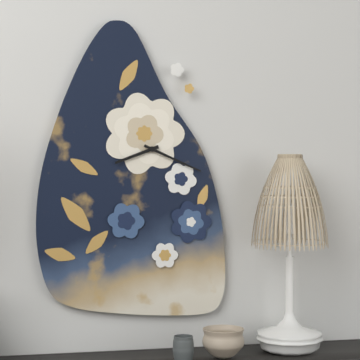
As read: h=8 m=19
